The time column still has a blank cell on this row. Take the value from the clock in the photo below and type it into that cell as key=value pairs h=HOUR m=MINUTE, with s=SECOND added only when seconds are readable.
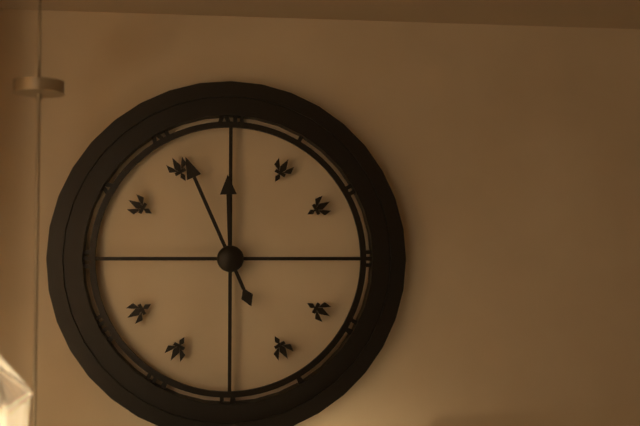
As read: h=11 m=56
